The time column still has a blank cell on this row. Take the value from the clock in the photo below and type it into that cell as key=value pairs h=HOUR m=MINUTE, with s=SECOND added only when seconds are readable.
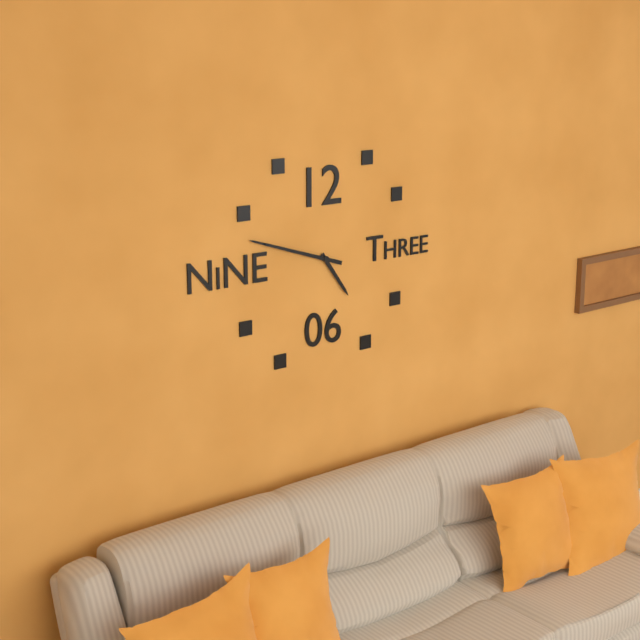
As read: h=4 m=48 s=48
